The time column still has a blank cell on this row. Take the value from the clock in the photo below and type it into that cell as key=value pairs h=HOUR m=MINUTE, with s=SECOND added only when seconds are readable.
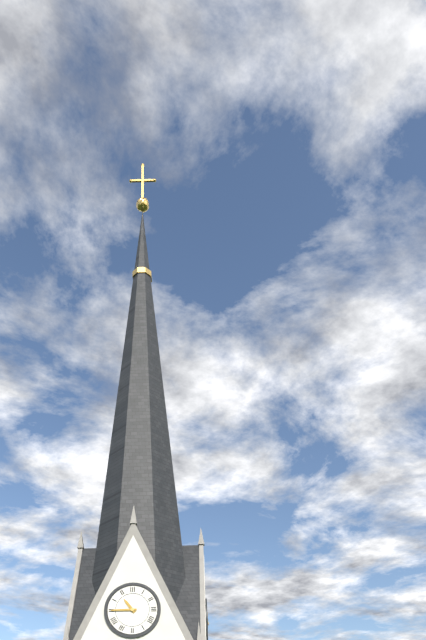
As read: h=10 m=45
